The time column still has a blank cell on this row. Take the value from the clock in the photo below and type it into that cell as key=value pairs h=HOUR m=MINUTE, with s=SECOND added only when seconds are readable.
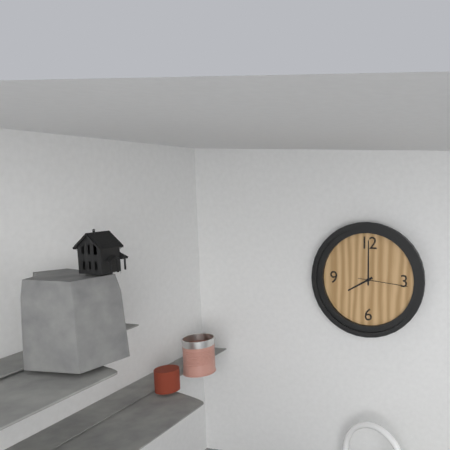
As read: h=8 m=0 s=16
